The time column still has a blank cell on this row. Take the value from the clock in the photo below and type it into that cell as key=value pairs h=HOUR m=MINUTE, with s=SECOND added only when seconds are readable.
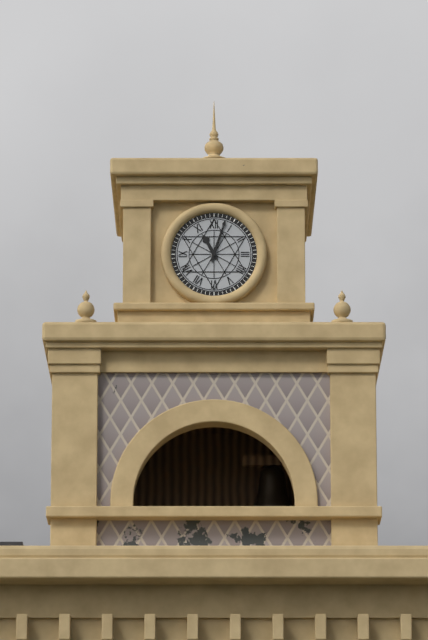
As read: h=11 m=3
